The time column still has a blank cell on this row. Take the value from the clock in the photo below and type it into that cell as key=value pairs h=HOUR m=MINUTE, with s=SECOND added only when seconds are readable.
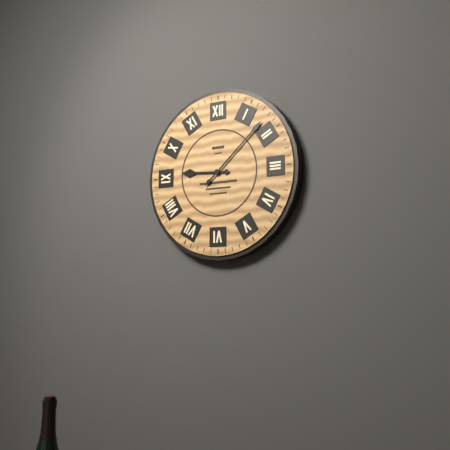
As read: h=9 m=8
